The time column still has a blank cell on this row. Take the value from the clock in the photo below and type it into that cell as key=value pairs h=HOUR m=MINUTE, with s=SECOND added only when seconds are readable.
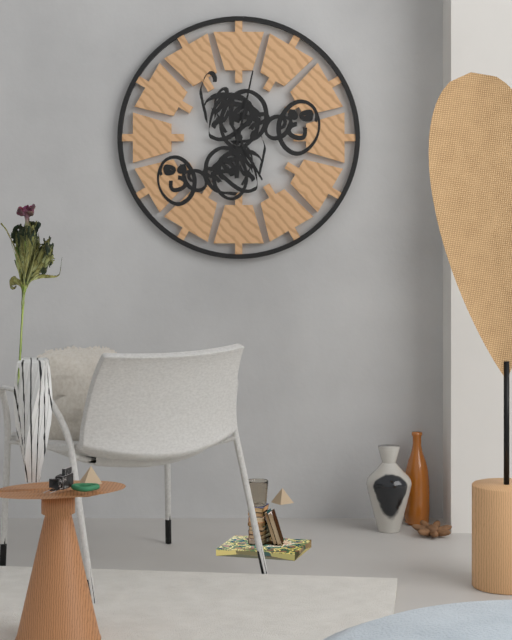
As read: h=5 m=2
